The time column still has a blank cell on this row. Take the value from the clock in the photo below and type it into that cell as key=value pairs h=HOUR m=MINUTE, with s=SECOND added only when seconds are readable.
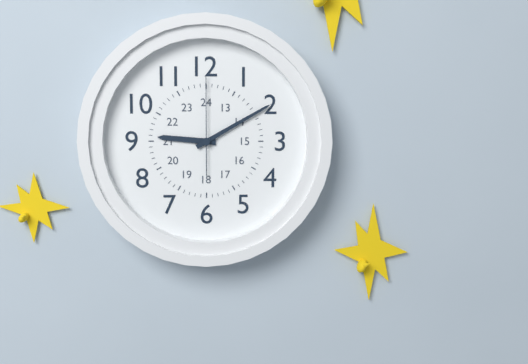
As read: h=9 m=10 s=0
